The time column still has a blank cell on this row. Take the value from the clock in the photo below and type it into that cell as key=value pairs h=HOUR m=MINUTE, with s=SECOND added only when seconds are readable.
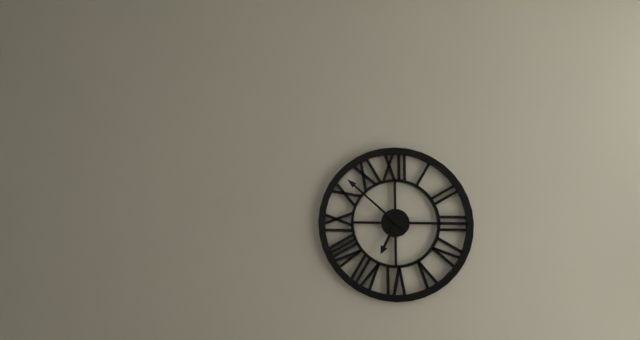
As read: h=6 m=52
